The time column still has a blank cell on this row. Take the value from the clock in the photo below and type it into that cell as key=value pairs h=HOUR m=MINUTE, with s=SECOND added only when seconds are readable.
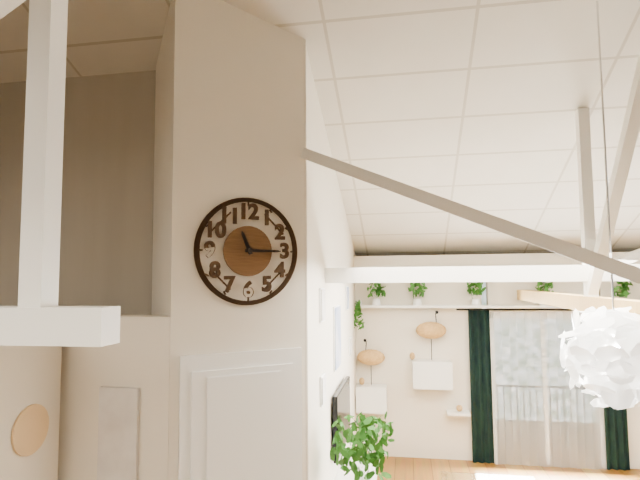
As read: h=11 m=15
